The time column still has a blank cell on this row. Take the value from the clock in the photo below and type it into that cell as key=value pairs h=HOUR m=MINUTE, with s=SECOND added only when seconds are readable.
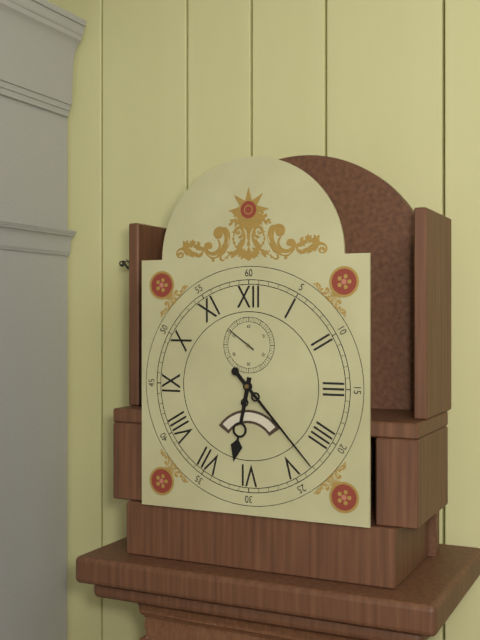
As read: h=6 m=23
